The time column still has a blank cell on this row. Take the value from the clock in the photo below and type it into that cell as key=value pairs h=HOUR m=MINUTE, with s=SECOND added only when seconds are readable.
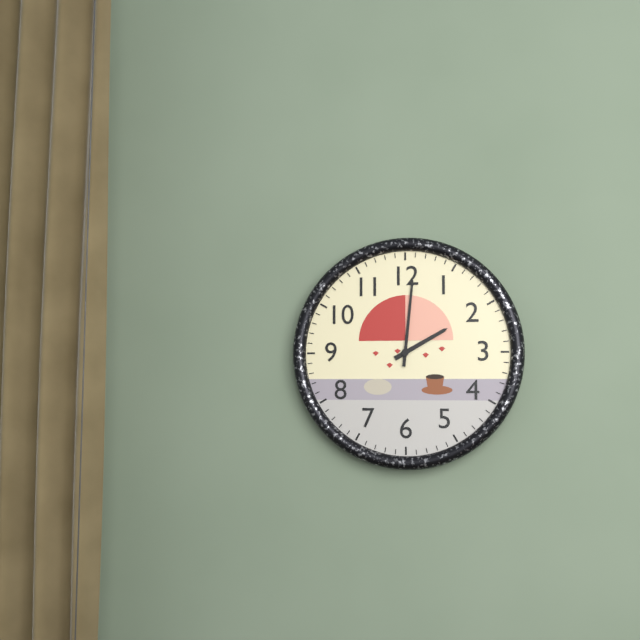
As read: h=2 m=1
